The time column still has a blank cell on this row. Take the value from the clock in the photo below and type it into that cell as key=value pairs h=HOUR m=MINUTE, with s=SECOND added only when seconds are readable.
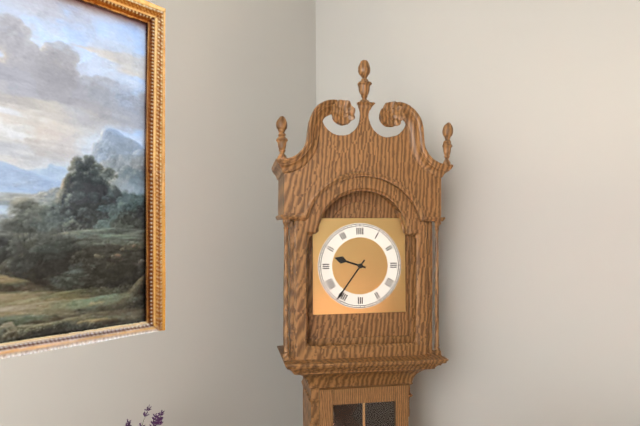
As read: h=9 m=36
